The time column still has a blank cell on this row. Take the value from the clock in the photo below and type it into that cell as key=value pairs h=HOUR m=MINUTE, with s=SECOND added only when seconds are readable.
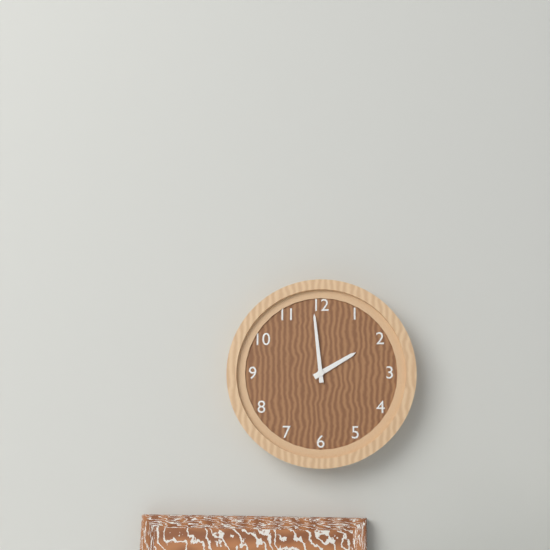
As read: h=1 m=59
